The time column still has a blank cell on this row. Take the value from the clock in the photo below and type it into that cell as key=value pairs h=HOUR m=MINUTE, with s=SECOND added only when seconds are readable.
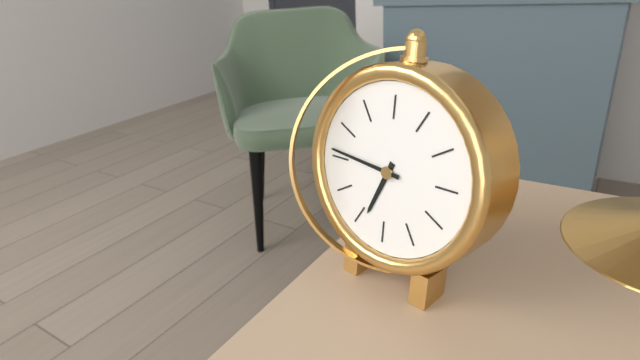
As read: h=6 m=46
